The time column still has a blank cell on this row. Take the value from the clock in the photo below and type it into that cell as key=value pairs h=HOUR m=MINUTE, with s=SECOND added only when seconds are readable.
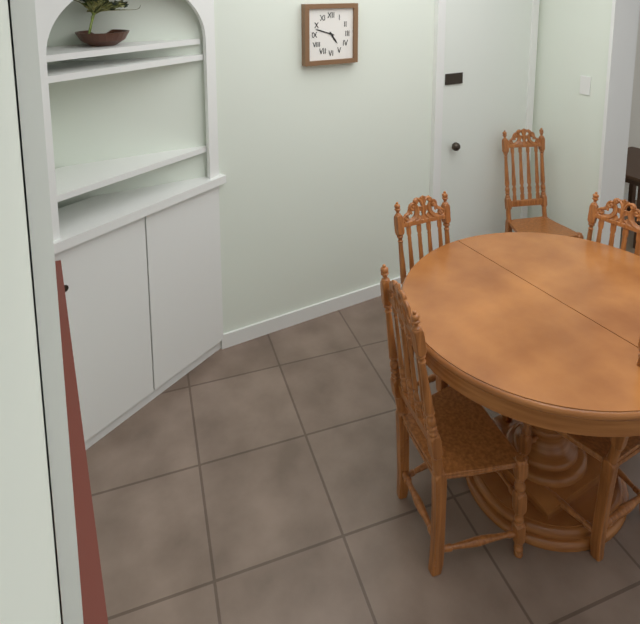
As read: h=4 m=48
